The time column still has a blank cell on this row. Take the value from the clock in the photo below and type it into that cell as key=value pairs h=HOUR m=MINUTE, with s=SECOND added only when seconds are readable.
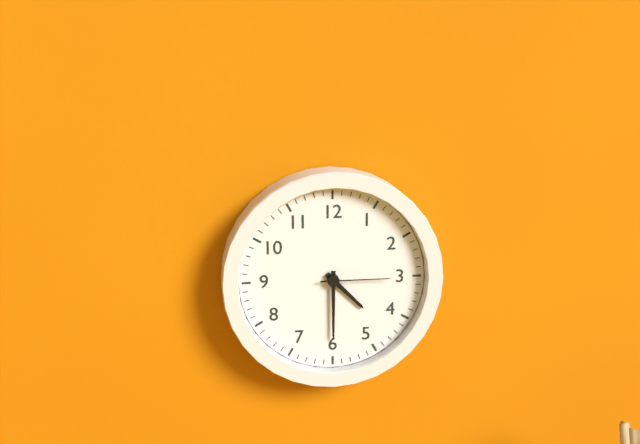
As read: h=4 m=30 s=15
